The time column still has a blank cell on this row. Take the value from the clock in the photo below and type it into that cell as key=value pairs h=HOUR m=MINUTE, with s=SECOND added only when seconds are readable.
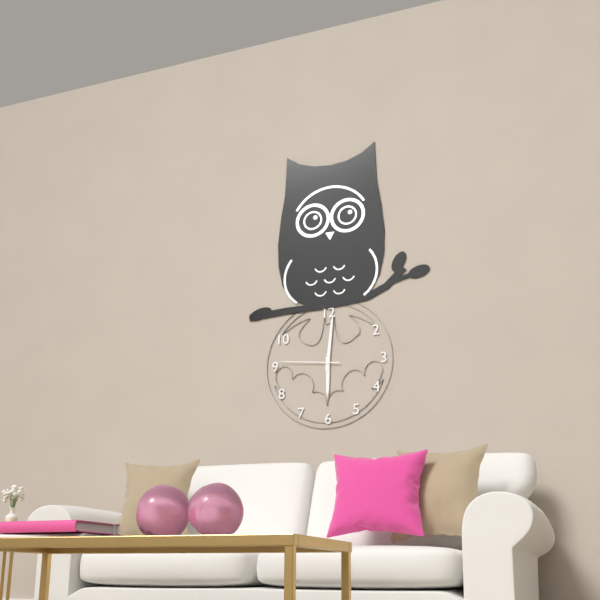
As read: h=6 m=1 s=46
